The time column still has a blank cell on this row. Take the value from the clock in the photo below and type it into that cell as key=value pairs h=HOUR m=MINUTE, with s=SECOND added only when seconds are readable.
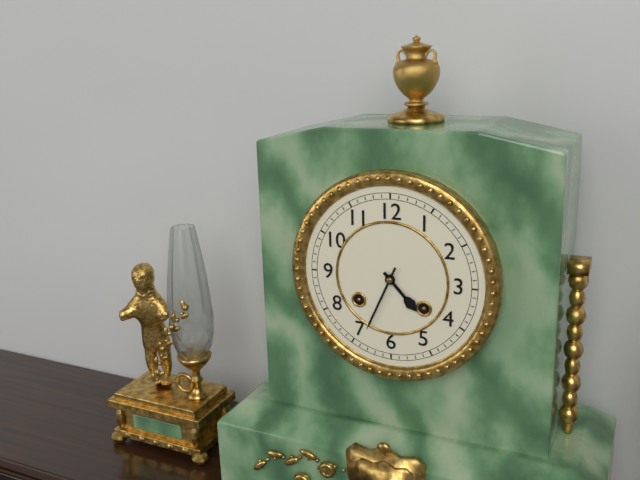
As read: h=4 m=34
